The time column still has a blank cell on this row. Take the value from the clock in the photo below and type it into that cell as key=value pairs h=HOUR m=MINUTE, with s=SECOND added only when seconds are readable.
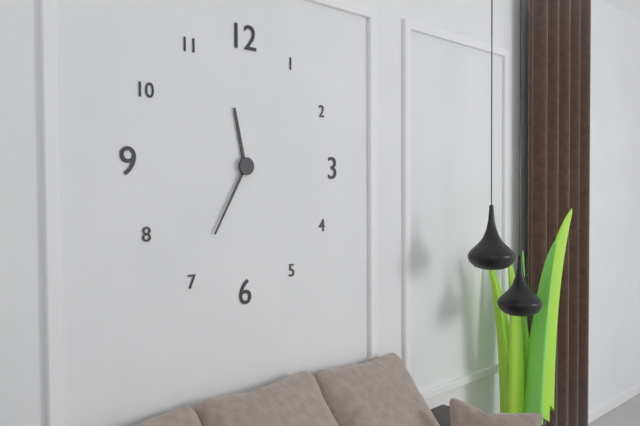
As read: h=11 m=35
